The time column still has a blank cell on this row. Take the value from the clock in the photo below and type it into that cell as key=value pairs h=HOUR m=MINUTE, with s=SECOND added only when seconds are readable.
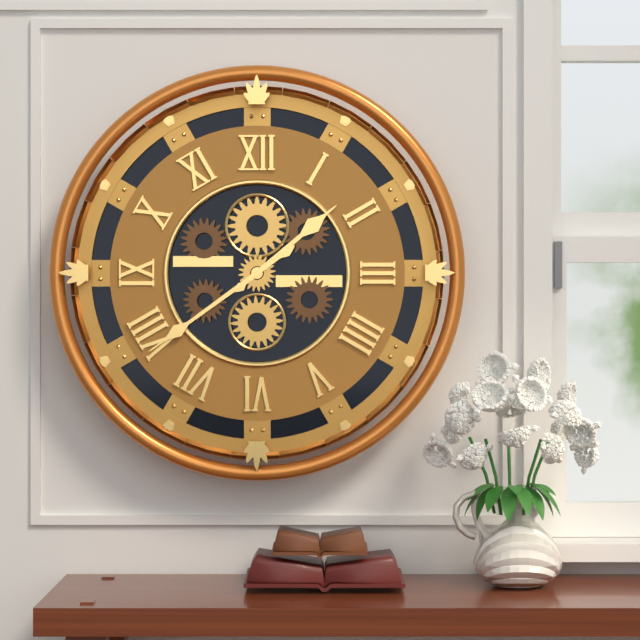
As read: h=1 m=39
